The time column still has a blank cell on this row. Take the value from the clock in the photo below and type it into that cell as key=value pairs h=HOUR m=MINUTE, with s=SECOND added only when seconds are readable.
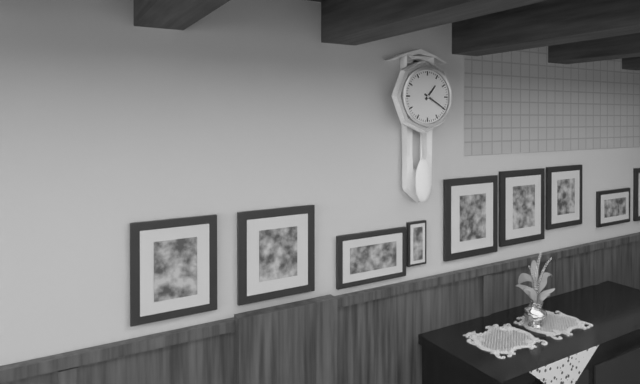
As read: h=1 m=20
